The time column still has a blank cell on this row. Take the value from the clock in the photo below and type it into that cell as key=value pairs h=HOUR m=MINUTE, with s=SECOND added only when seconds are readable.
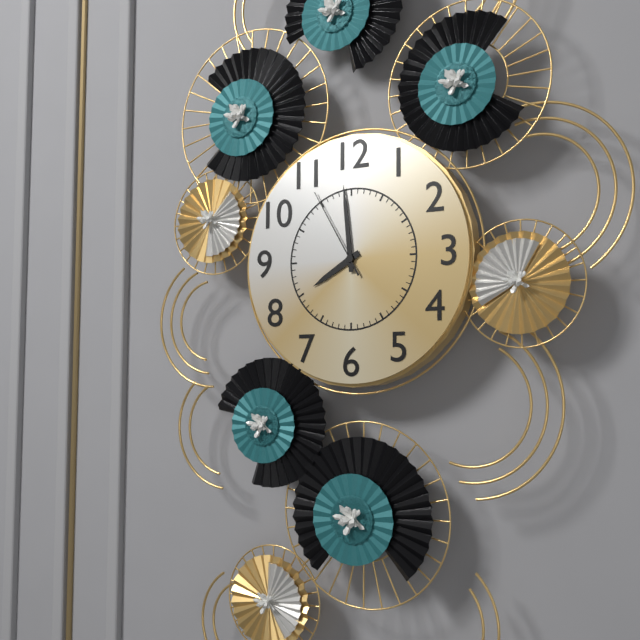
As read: h=7 m=59 s=55
